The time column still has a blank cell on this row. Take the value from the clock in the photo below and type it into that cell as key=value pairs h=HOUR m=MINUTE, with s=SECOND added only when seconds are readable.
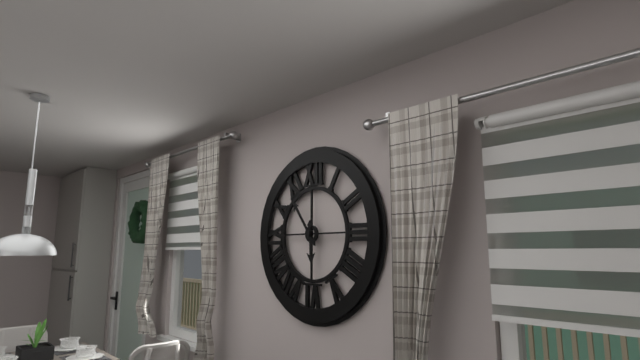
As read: h=5 m=54
